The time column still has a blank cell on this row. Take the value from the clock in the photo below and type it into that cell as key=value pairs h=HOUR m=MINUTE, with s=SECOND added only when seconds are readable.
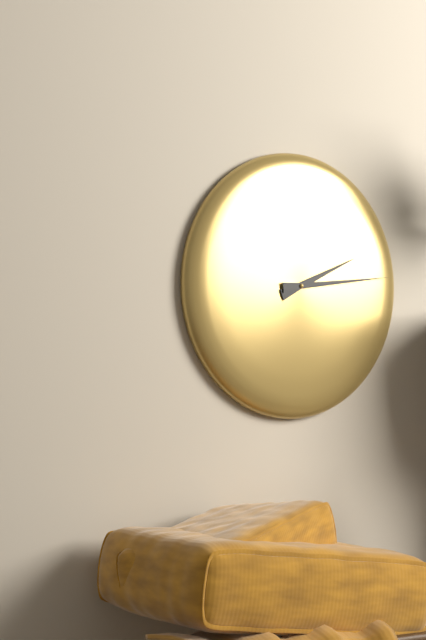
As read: h=2 m=14
